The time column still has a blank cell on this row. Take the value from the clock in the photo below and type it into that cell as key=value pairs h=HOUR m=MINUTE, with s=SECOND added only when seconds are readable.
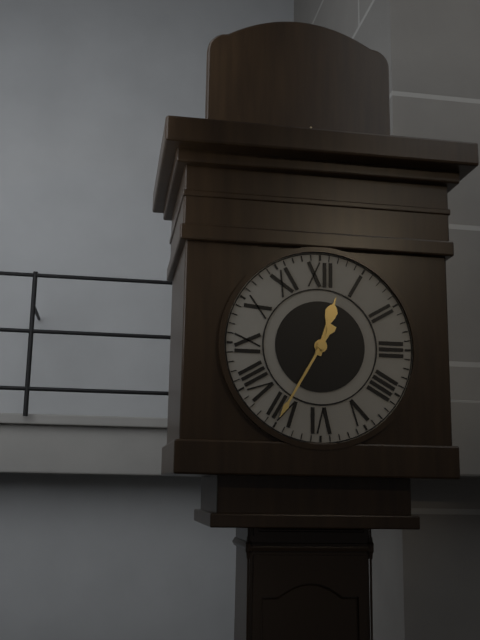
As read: h=12 m=35
